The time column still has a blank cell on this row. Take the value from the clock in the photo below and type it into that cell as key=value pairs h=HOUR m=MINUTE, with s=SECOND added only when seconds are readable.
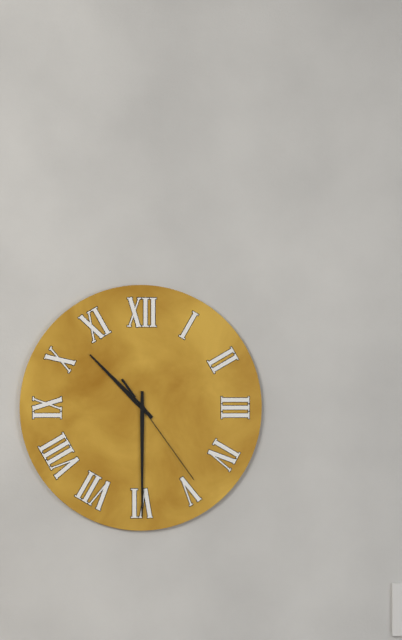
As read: h=10 m=30 s=24
